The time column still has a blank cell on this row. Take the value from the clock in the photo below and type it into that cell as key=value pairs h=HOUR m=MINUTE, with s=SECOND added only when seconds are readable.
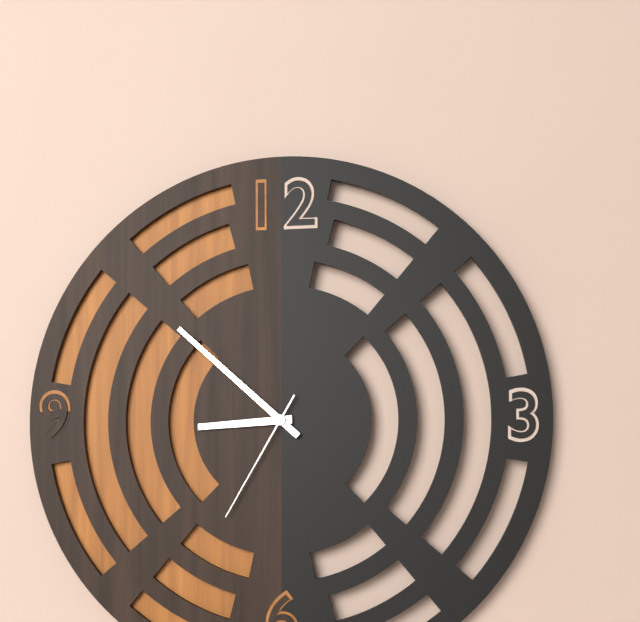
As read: h=8 m=52 s=35
